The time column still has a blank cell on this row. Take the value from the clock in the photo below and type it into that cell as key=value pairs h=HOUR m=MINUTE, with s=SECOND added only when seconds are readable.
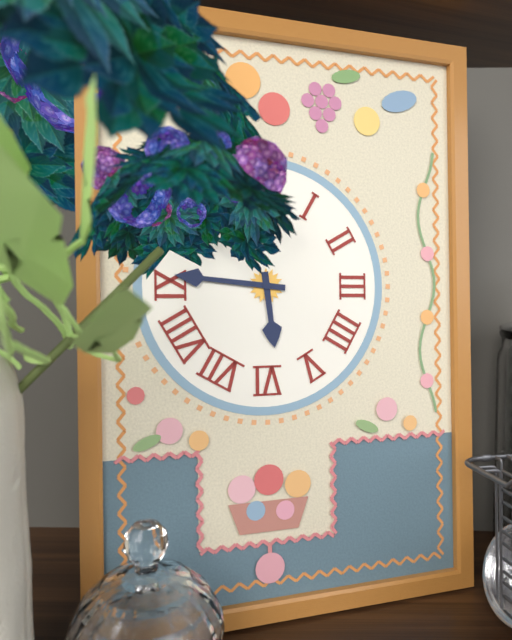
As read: h=5 m=46
